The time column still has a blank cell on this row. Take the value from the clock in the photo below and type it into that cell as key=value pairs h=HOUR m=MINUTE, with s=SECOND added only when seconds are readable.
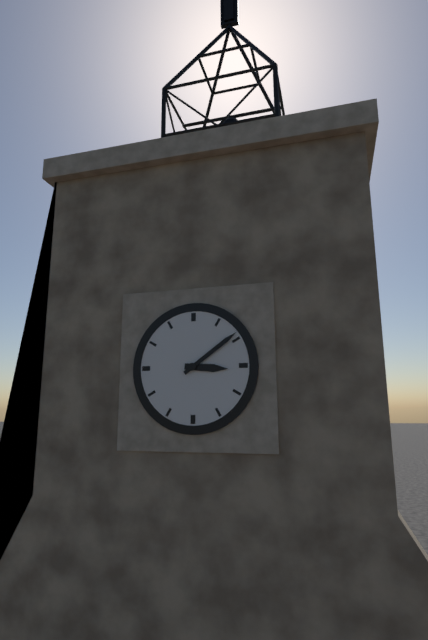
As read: h=3 m=9
